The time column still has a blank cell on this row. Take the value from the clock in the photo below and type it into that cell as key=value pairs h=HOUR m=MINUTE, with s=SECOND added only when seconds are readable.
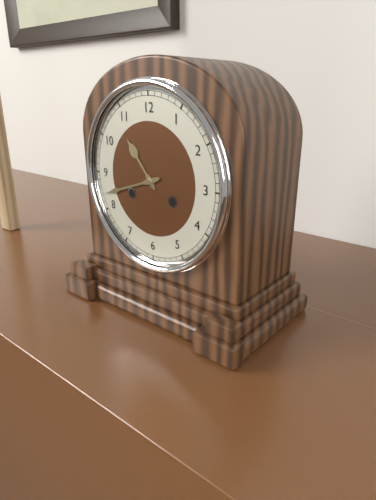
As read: h=10 m=42
